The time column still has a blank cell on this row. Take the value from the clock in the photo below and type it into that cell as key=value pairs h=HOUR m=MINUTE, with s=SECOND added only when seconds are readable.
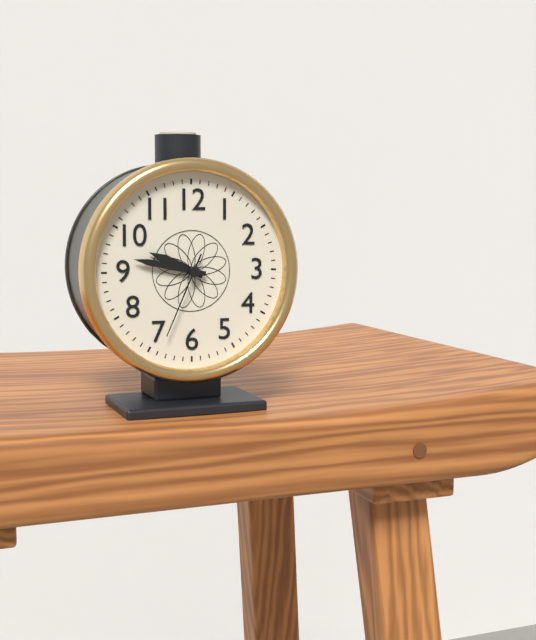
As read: h=9 m=47 s=34
